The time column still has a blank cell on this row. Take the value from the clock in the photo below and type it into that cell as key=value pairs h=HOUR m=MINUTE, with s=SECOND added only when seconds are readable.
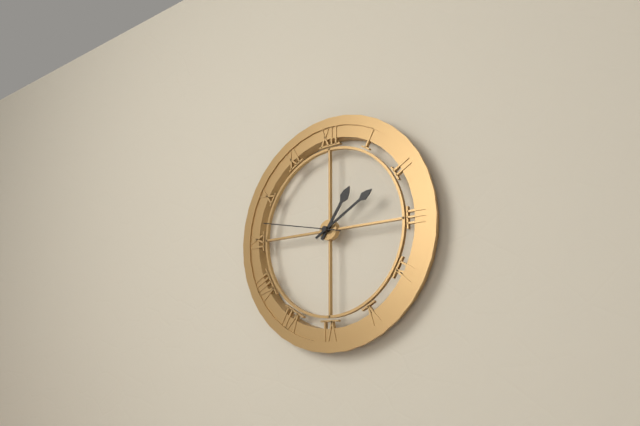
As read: h=1 m=10 s=47
